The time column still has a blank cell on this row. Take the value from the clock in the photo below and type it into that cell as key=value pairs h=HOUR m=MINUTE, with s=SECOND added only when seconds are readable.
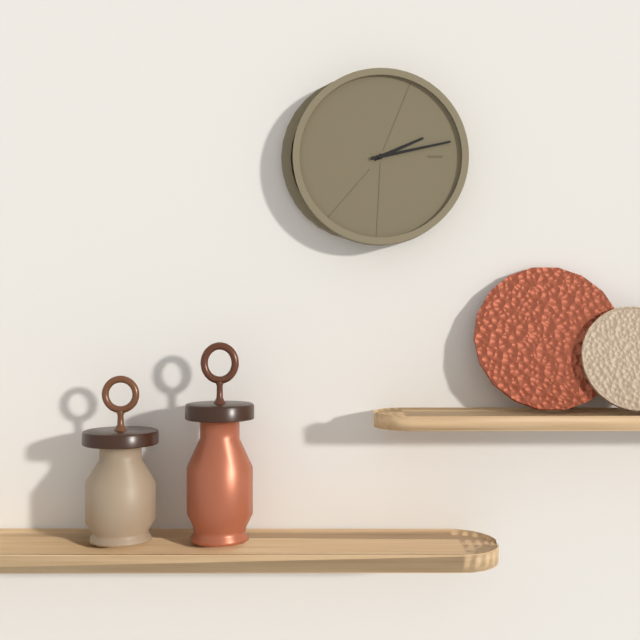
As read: h=2 m=13
